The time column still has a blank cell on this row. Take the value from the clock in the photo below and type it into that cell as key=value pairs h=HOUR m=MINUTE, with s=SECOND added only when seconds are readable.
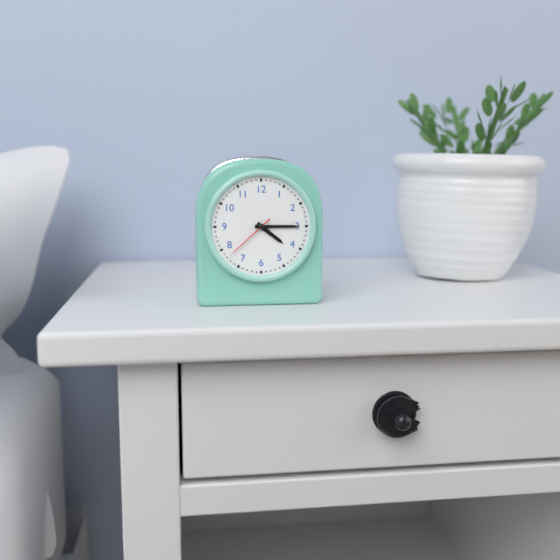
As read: h=4 m=15 s=38
